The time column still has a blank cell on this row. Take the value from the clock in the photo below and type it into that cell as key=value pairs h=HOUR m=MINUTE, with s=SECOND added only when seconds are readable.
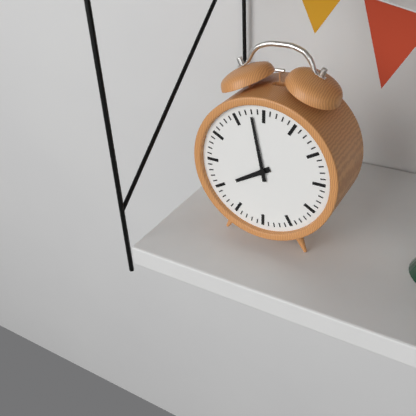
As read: h=7 m=58
